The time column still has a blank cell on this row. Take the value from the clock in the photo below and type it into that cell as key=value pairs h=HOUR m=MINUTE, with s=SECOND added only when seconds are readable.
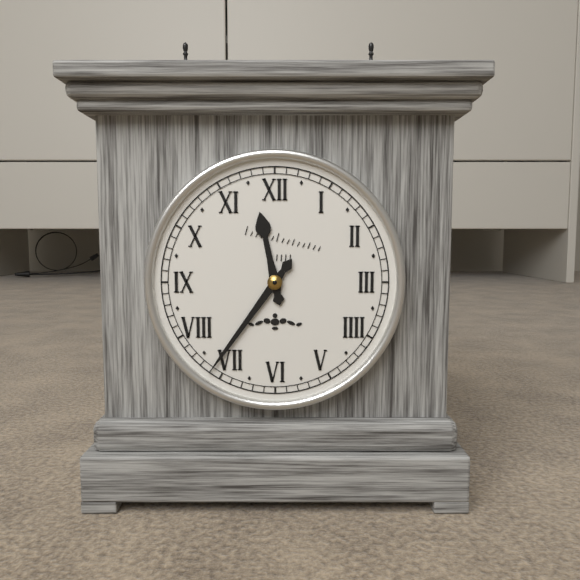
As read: h=11 m=36
